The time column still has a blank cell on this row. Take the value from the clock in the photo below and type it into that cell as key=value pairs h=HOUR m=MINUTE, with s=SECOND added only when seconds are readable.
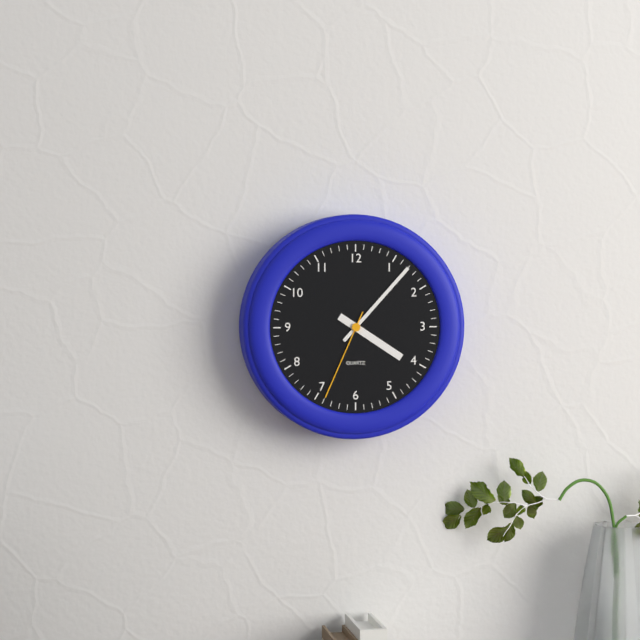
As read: h=4 m=7 s=34
